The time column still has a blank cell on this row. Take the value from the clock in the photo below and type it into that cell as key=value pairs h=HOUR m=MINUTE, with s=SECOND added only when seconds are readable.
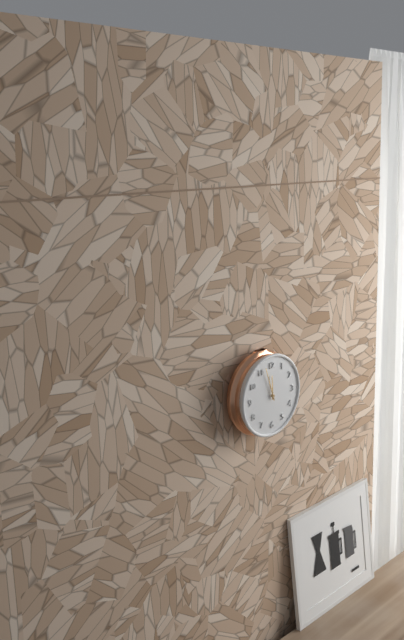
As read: h=11 m=57
